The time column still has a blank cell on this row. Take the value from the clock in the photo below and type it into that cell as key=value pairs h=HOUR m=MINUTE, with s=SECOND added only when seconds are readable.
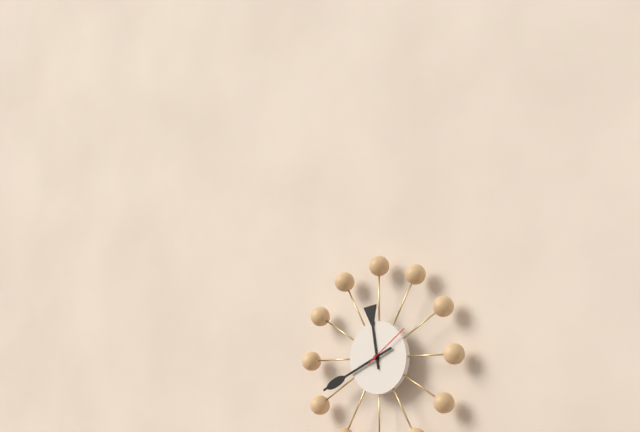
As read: h=11 m=41
